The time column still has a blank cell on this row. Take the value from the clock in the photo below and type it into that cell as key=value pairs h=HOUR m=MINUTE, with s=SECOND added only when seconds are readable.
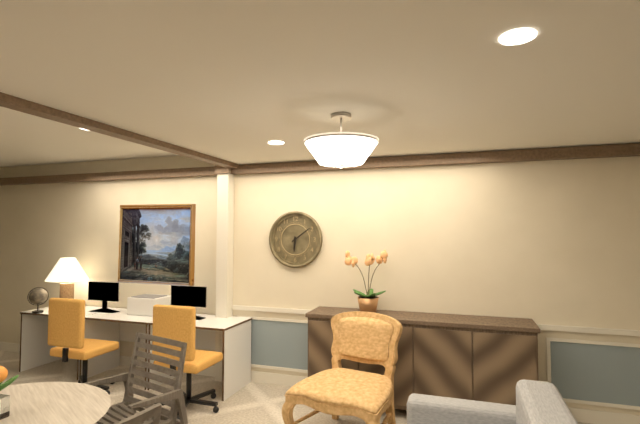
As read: h=6 m=9
